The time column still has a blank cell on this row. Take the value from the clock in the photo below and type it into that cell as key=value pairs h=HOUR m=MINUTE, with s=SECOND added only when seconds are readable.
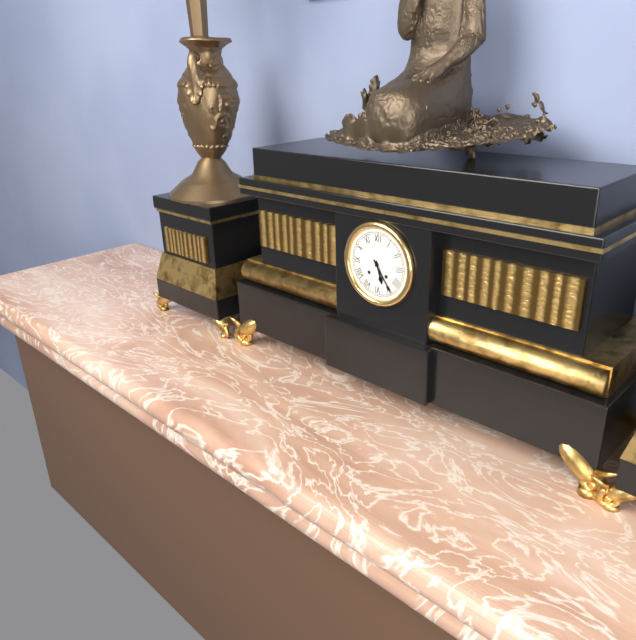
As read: h=5 m=24
